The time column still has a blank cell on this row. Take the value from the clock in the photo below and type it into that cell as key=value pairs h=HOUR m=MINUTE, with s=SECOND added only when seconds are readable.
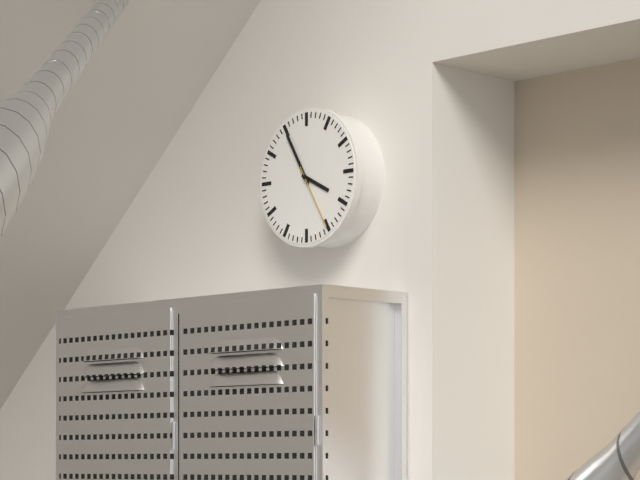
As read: h=3 m=55 s=25
